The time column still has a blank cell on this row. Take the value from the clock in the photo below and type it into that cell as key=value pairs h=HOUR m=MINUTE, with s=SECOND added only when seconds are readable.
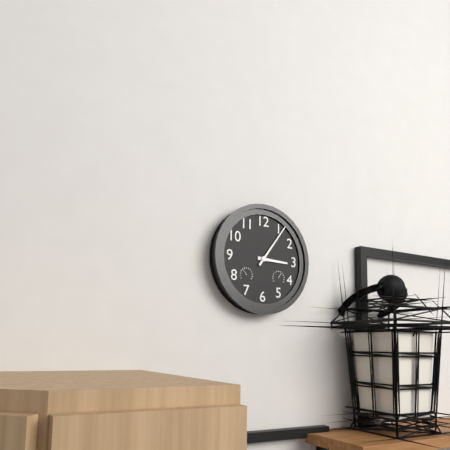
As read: h=3 m=6
